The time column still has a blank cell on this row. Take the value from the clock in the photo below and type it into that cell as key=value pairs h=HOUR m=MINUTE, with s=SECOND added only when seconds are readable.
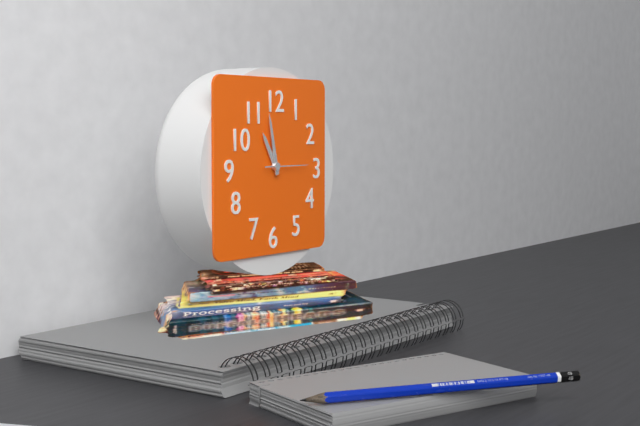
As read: h=10 m=58
